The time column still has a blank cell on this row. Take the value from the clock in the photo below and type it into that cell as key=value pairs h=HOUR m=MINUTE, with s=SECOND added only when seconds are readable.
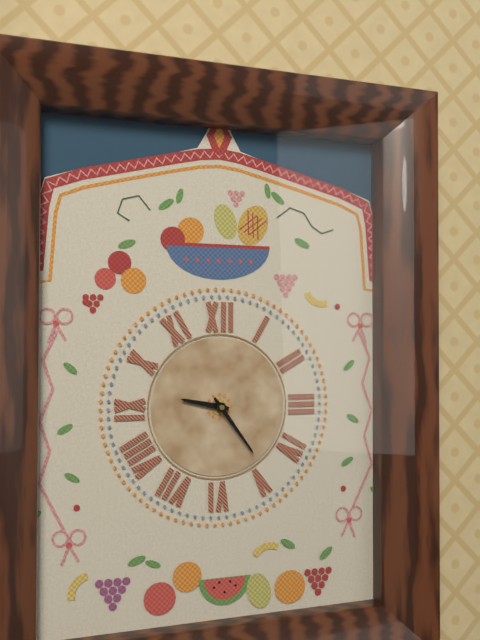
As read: h=9 m=24
